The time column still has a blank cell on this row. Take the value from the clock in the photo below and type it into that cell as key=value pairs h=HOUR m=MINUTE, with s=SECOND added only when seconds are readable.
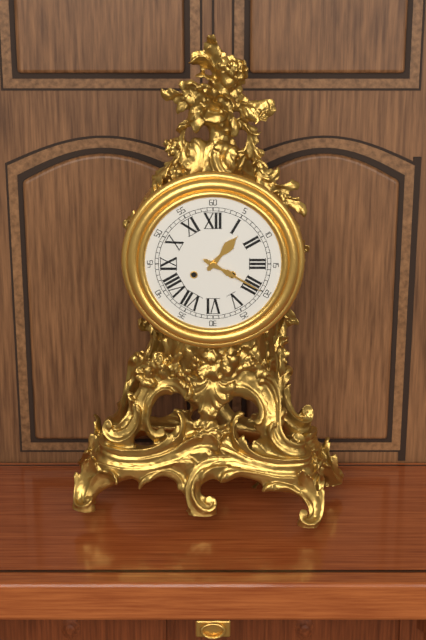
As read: h=1 m=20
